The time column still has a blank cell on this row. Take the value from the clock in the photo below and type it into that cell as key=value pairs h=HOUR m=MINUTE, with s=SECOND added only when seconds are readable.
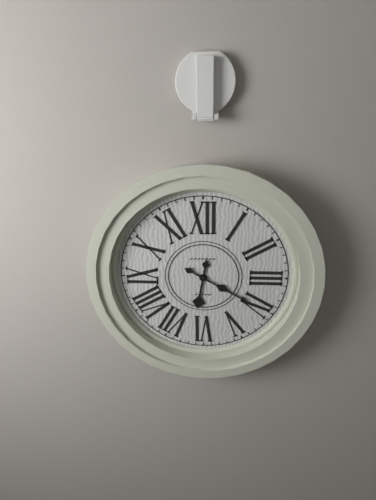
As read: h=6 m=20
